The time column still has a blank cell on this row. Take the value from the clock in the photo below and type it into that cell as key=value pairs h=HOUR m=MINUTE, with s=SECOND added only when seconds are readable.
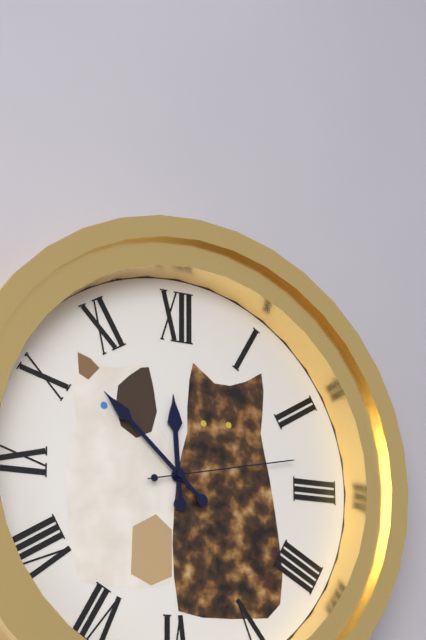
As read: h=11 m=52 s=13
